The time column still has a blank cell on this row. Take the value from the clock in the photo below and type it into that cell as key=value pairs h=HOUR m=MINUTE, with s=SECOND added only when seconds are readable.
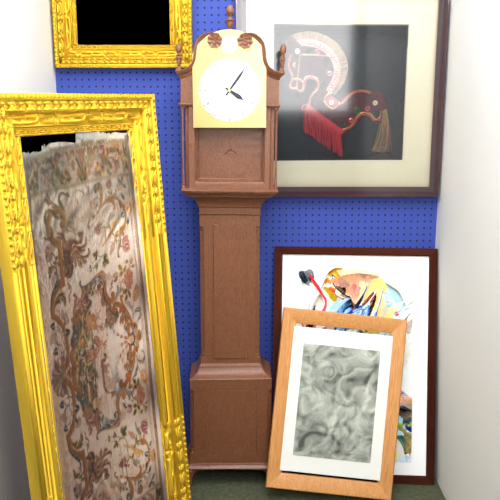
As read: h=4 m=6
